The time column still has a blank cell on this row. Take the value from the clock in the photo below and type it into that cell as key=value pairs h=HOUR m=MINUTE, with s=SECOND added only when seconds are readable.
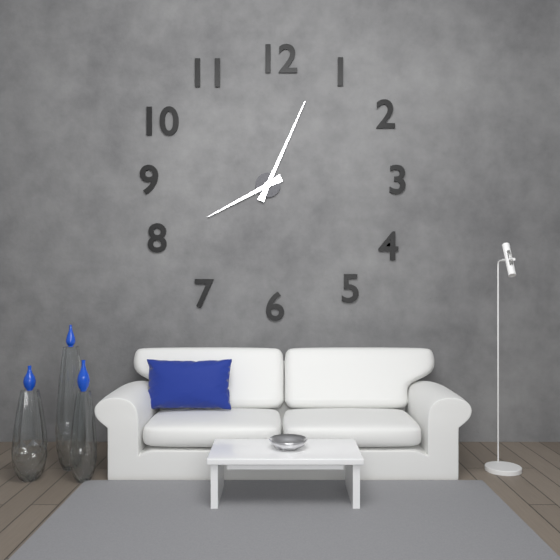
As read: h=8 m=4
